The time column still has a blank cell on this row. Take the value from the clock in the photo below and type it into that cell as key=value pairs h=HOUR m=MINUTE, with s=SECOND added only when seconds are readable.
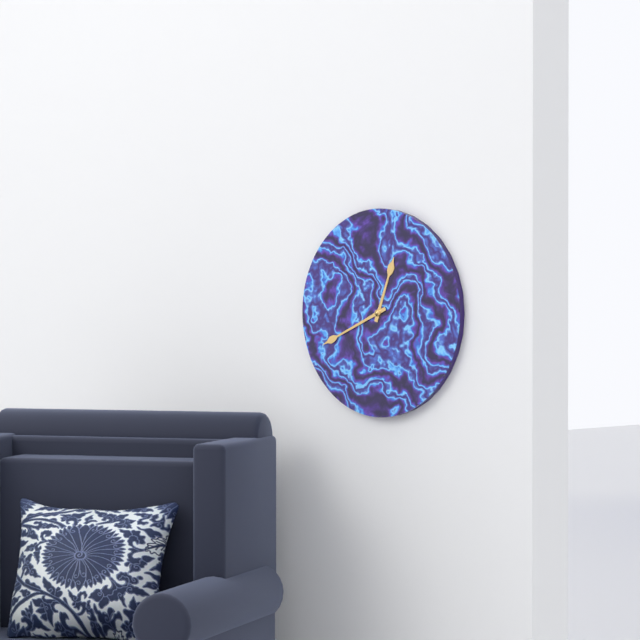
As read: h=12 m=41
